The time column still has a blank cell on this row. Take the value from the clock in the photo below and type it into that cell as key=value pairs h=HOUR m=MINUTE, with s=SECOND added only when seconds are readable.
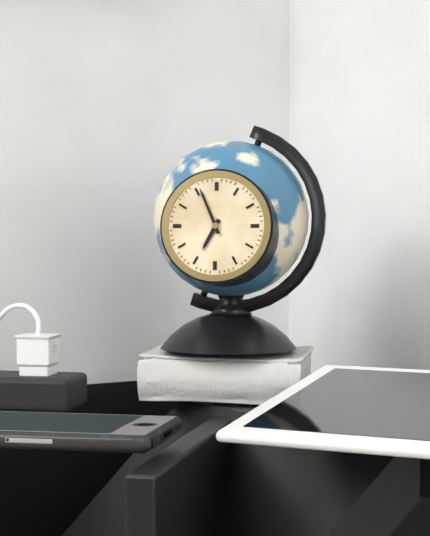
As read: h=6 m=56
